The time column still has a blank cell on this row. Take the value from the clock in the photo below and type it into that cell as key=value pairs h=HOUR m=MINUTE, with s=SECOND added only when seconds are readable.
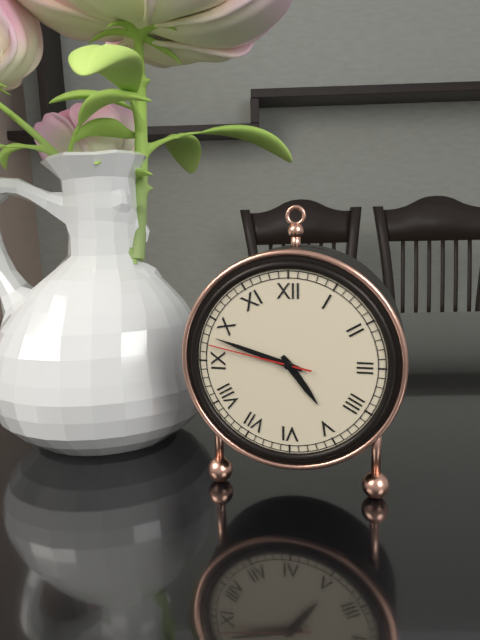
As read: h=4 m=48 s=47
